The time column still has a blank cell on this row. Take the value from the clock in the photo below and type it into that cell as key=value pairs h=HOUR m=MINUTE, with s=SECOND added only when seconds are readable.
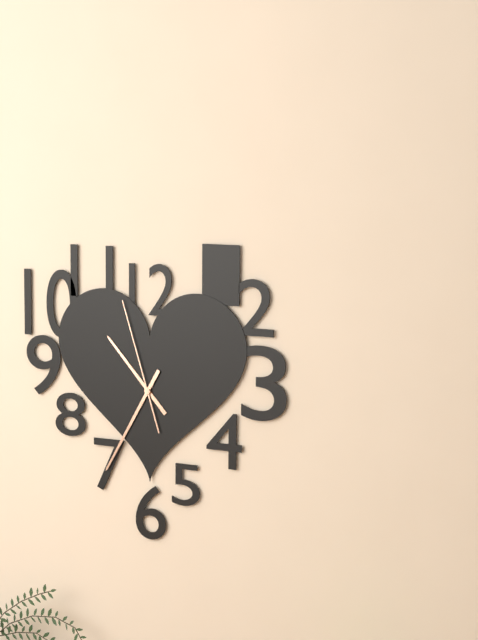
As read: h=10 m=35 s=57
